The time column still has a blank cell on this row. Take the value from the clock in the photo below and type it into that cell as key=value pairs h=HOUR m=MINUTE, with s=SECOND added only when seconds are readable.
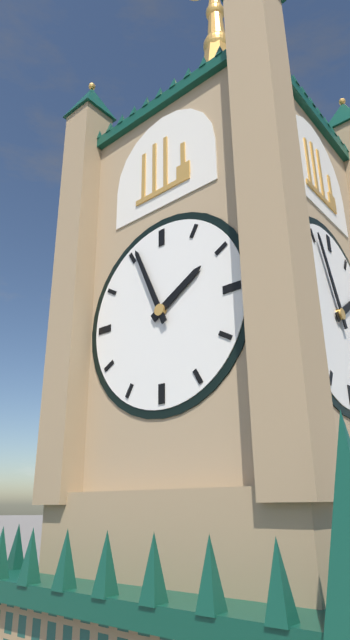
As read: h=1 m=56
